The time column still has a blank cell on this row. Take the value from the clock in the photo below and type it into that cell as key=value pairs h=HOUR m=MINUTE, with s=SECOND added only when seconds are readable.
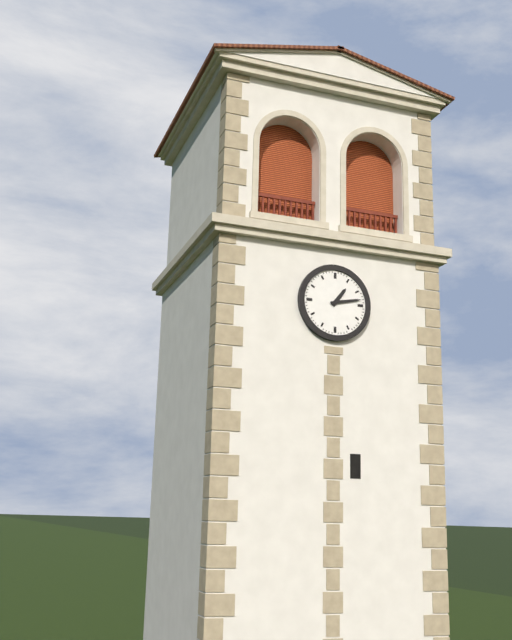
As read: h=1 m=13
